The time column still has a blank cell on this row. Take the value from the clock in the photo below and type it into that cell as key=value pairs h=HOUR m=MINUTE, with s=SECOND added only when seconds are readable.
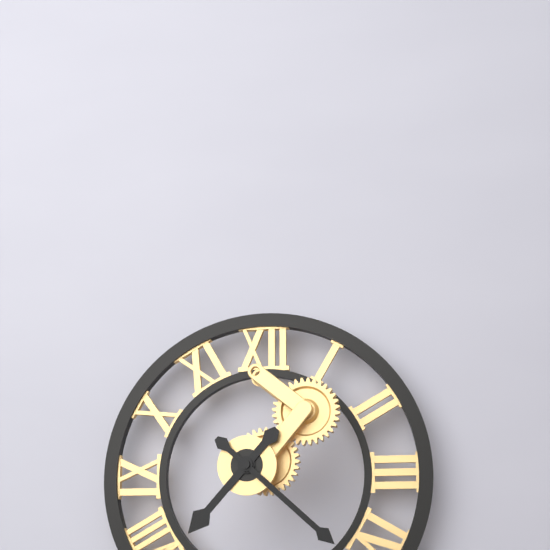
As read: h=7 m=22
